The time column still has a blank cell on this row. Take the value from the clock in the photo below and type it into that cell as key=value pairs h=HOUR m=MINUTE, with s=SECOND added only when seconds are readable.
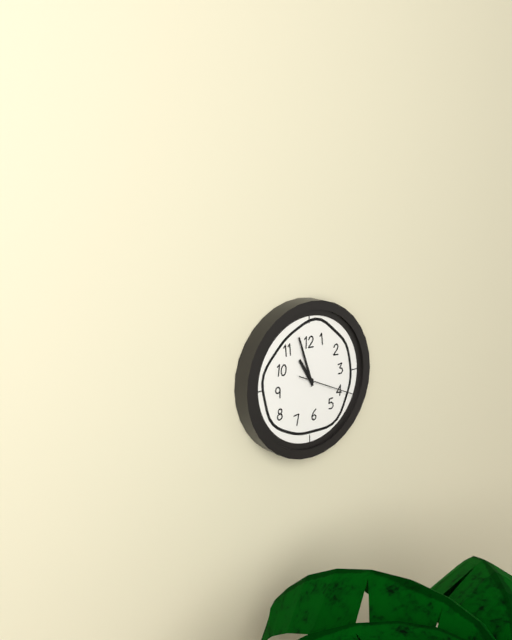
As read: h=10 m=57 s=19
